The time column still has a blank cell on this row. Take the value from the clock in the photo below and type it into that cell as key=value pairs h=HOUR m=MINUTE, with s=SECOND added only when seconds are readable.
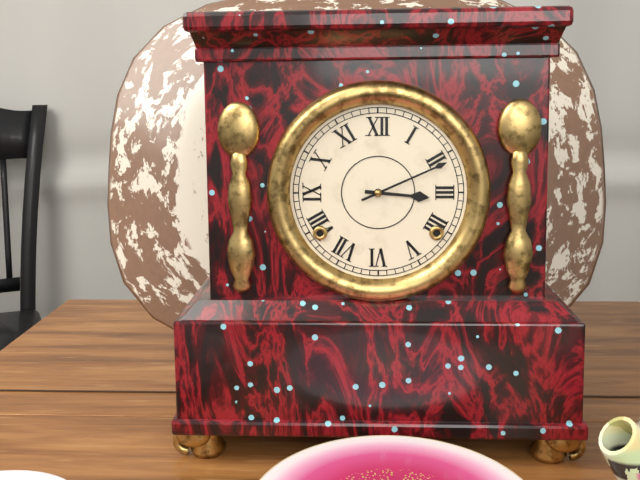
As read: h=3 m=11
